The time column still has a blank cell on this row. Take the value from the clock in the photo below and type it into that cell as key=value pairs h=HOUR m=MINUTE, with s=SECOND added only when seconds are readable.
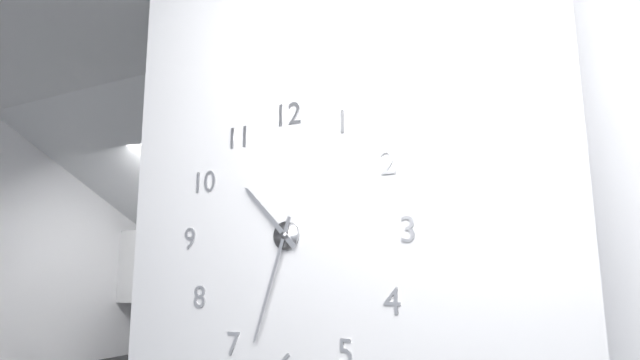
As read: h=10 m=33
